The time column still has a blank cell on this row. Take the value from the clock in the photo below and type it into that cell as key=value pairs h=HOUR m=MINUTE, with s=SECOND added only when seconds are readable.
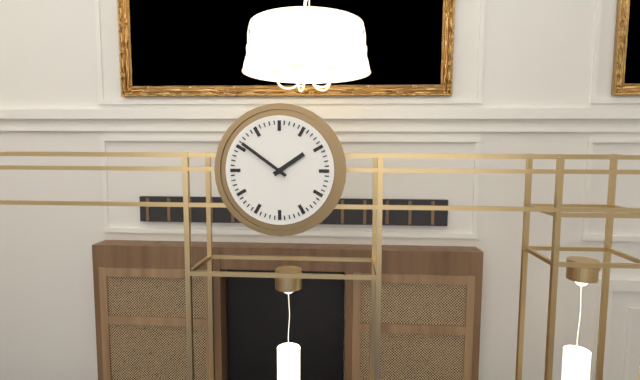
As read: h=1 m=51
